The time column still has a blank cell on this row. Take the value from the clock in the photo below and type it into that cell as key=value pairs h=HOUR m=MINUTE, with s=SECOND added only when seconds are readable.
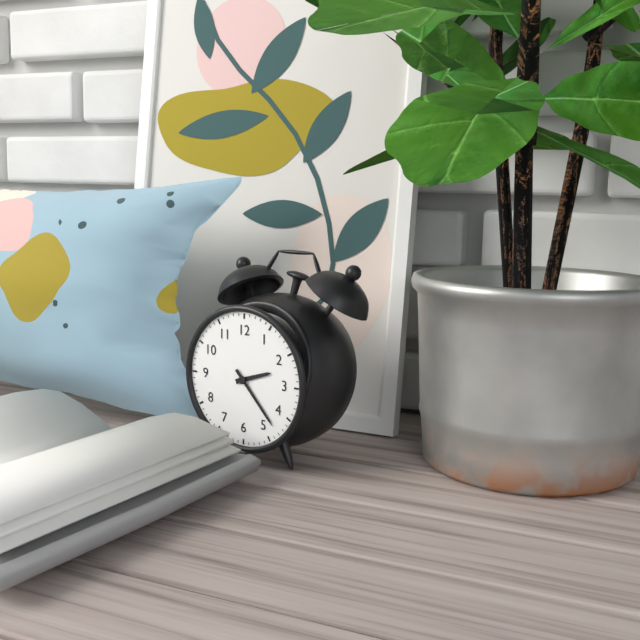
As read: h=2 m=23
